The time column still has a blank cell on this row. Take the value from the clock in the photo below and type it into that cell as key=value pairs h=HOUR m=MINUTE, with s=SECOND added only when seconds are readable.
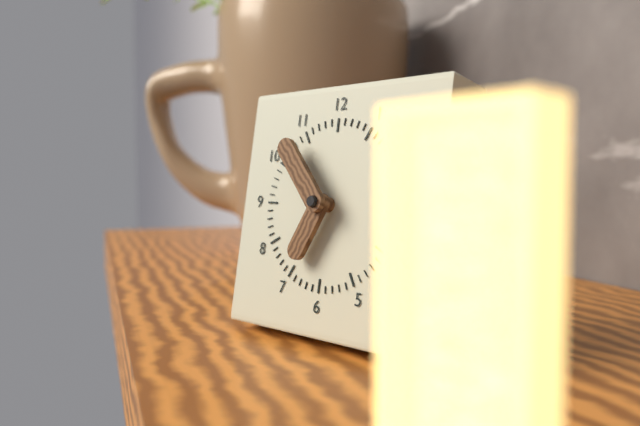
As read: h=6 m=53
